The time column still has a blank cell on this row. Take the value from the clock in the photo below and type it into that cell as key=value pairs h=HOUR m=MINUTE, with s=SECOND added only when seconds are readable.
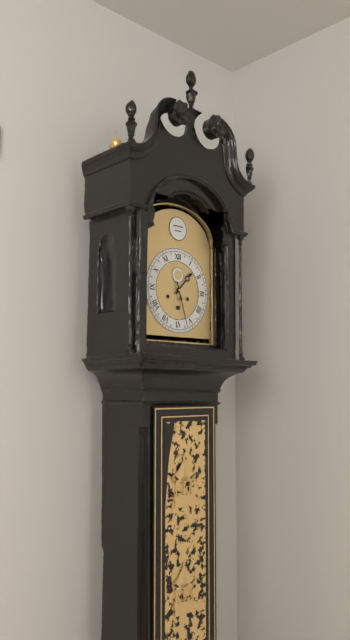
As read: h=1 m=27
